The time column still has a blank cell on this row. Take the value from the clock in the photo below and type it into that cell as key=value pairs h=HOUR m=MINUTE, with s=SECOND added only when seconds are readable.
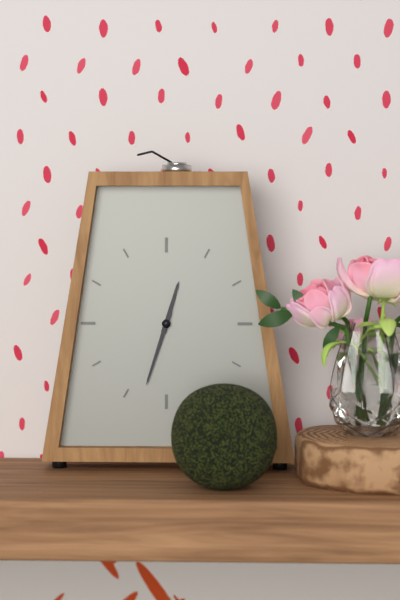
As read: h=12 m=33
